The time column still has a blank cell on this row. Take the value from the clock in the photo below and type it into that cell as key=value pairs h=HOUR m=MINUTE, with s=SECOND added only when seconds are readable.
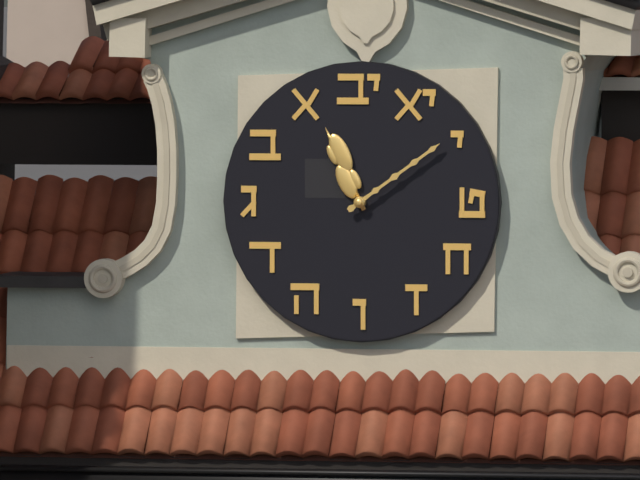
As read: h=11 m=9
